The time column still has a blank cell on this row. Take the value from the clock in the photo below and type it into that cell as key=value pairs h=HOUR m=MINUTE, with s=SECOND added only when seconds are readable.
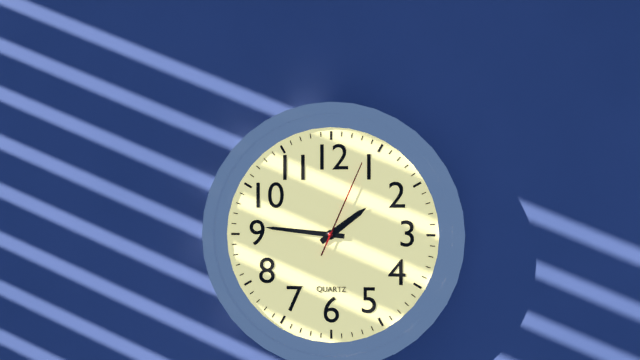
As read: h=1 m=46 s=4
